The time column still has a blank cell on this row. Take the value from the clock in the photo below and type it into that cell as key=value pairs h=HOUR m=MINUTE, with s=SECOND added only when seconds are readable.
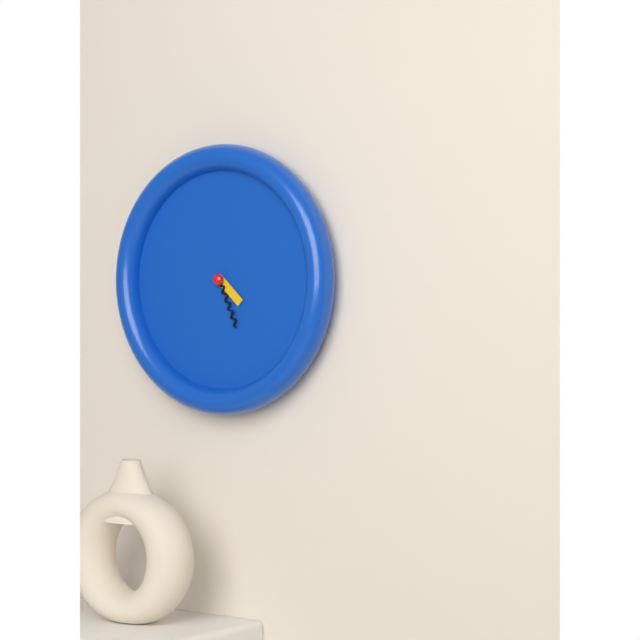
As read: h=4 m=26
